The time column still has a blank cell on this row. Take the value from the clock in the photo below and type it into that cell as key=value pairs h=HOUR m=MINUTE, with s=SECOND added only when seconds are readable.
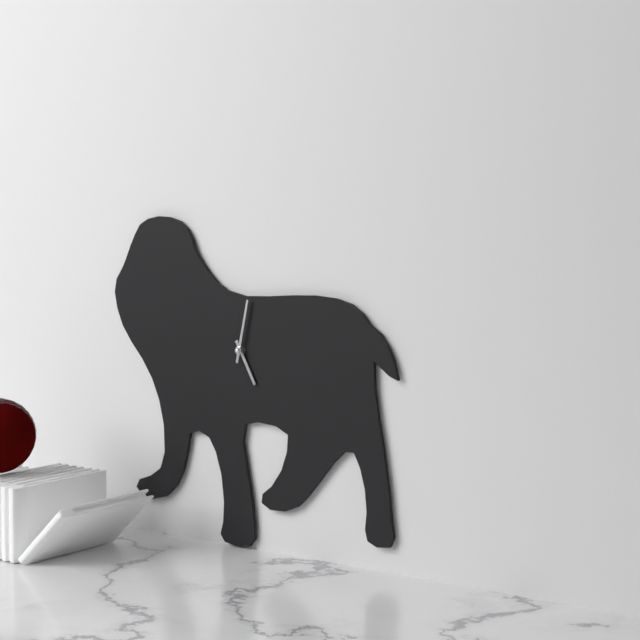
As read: h=5 m=2
